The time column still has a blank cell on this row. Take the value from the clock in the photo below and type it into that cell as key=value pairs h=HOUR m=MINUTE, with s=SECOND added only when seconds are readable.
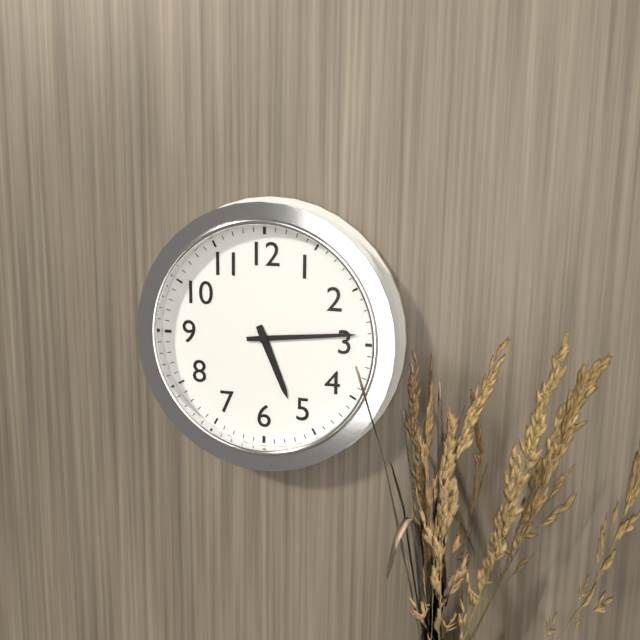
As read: h=5 m=14
